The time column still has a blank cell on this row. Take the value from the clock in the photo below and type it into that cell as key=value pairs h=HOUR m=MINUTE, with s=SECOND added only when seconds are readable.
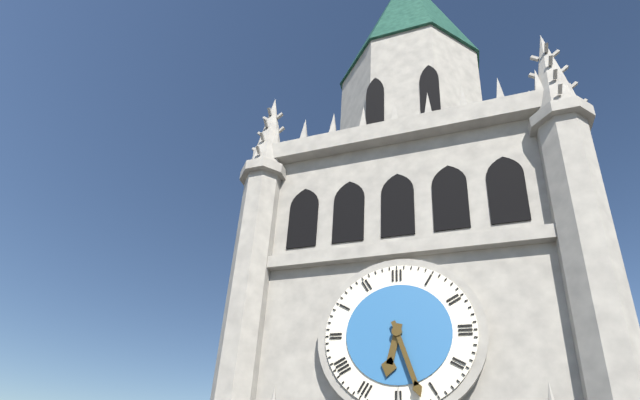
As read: h=6 m=27
